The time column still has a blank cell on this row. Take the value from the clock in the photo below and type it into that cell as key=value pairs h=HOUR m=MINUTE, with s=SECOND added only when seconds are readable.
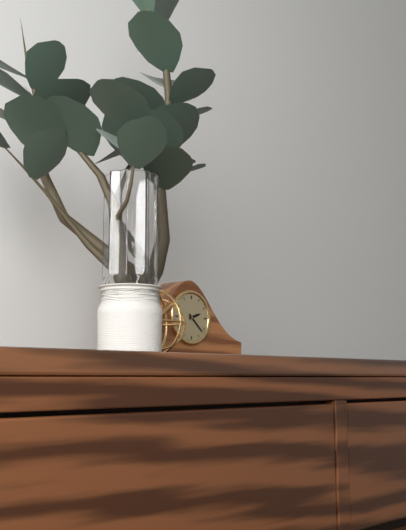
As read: h=2 m=22
